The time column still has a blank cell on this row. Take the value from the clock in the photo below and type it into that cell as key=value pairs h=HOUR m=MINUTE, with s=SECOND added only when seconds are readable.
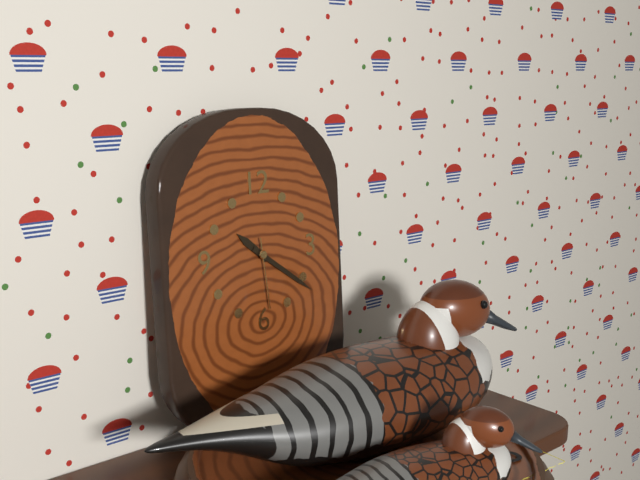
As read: h=10 m=21 s=29
